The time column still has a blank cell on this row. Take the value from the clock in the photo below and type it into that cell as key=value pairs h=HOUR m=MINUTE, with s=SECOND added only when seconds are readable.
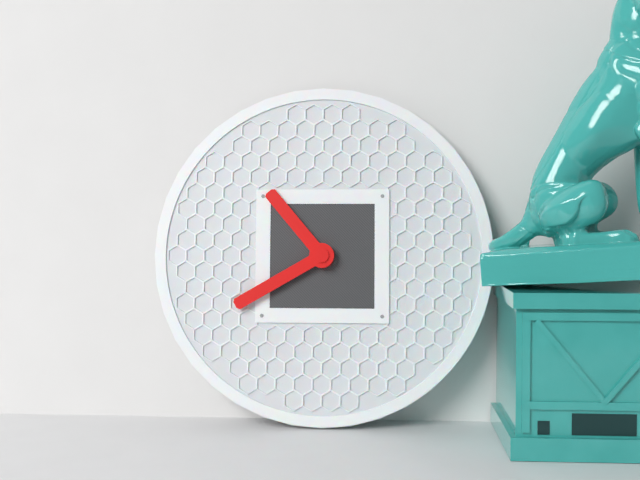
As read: h=10 m=40
